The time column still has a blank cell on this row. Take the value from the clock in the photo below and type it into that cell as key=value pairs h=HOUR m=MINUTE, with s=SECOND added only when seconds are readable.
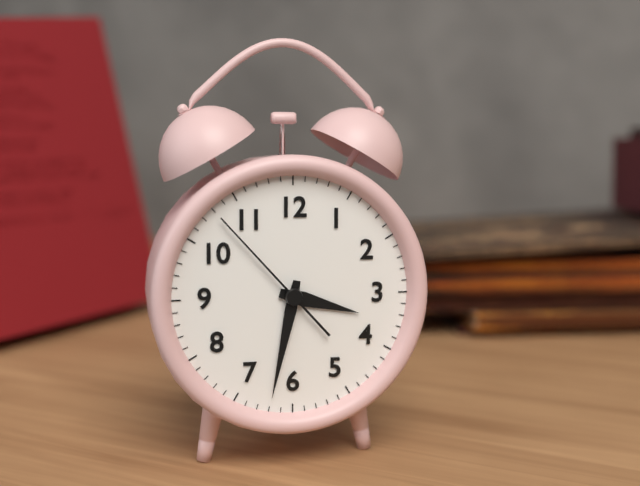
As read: h=3 m=32 s=53
